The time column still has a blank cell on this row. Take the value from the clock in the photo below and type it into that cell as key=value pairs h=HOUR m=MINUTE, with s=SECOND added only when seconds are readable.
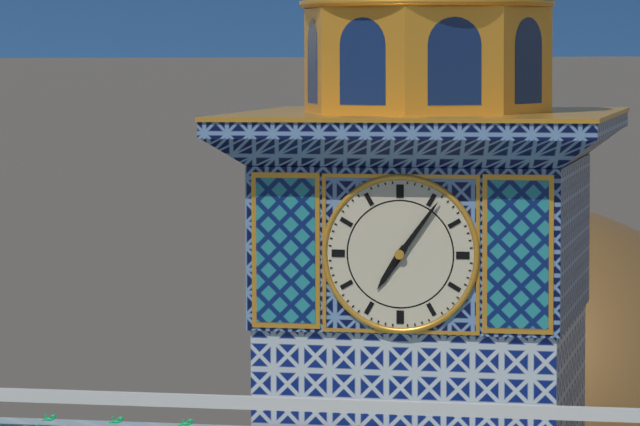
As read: h=7 m=6
